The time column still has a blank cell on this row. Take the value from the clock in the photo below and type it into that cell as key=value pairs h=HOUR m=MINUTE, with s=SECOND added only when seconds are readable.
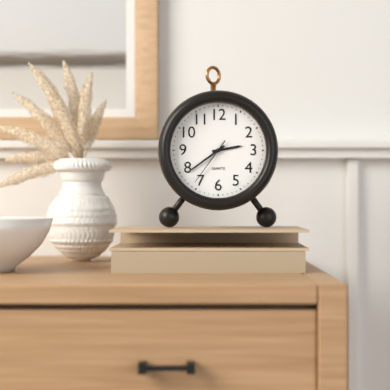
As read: h=2 m=39
